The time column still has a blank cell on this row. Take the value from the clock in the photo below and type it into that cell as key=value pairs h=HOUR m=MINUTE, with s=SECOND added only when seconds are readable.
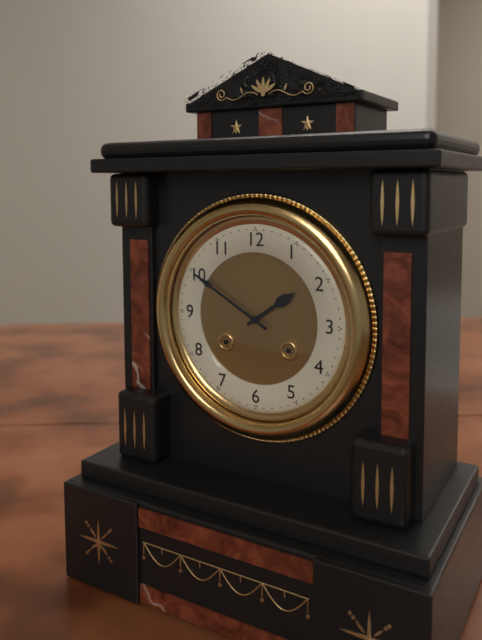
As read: h=1 m=50
